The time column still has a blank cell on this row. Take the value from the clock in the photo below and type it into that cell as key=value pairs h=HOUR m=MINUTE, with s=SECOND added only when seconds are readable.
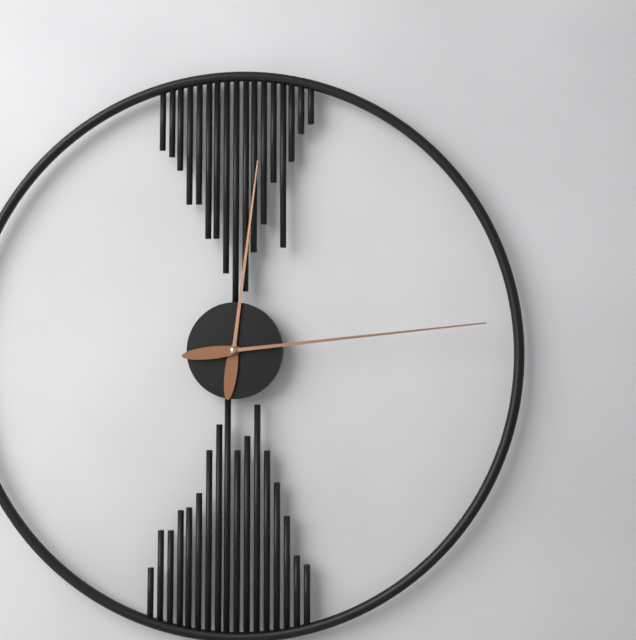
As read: h=12 m=14
